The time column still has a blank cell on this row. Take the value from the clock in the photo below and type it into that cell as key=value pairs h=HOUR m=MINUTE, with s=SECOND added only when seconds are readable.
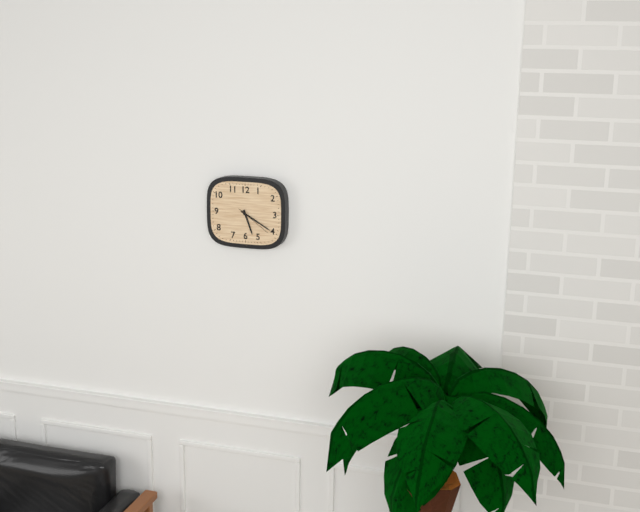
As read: h=5 m=20
